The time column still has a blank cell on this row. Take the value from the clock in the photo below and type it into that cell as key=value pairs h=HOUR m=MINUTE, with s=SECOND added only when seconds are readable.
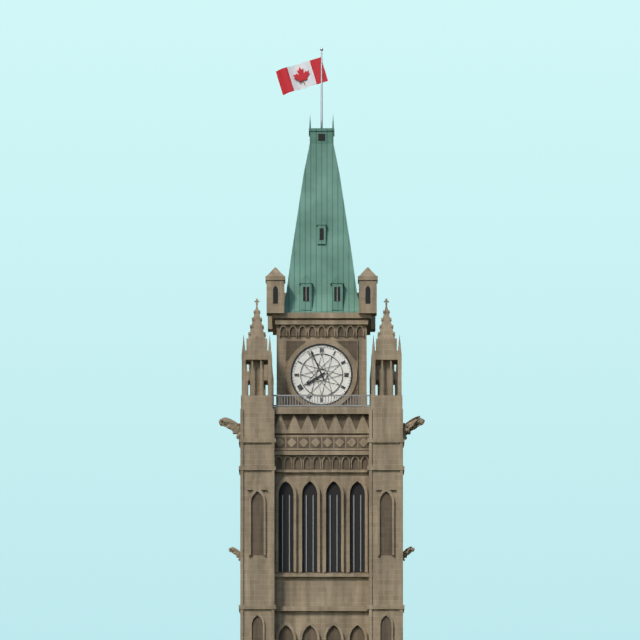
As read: h=7 m=56
